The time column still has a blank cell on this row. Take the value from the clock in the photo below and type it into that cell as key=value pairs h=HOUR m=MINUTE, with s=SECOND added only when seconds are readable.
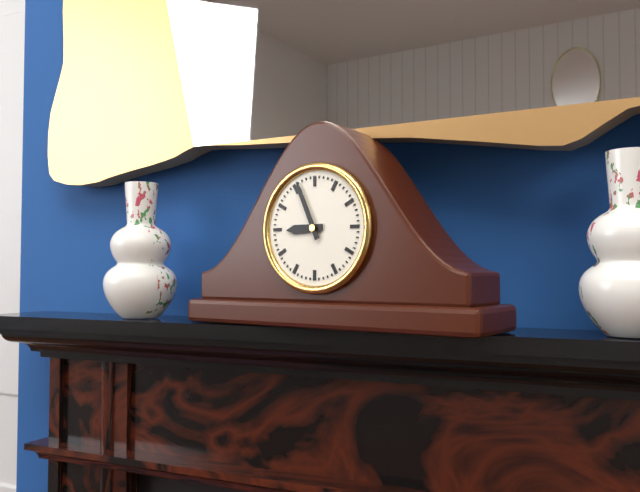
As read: h=8 m=56
